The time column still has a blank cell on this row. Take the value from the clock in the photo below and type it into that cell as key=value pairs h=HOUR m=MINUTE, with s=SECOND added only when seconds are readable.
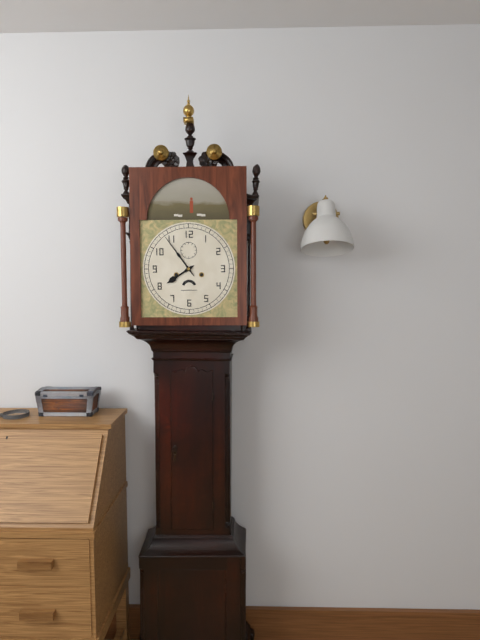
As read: h=7 m=54
